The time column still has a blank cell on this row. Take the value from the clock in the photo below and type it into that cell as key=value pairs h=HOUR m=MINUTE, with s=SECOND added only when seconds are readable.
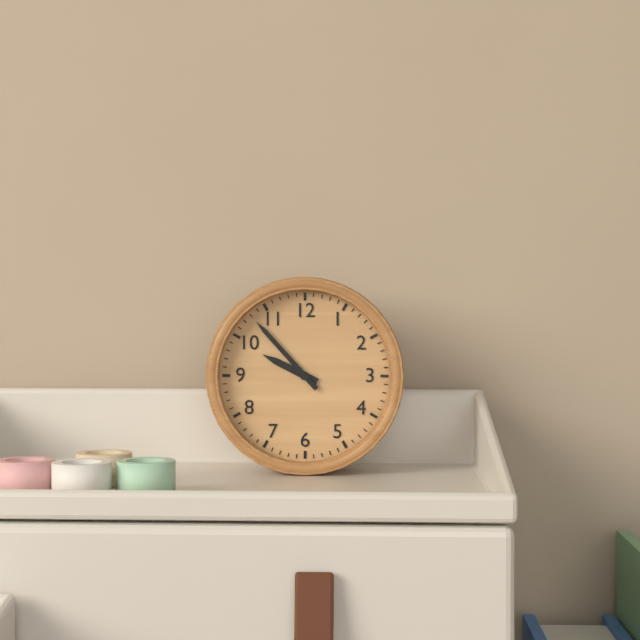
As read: h=9 m=53
